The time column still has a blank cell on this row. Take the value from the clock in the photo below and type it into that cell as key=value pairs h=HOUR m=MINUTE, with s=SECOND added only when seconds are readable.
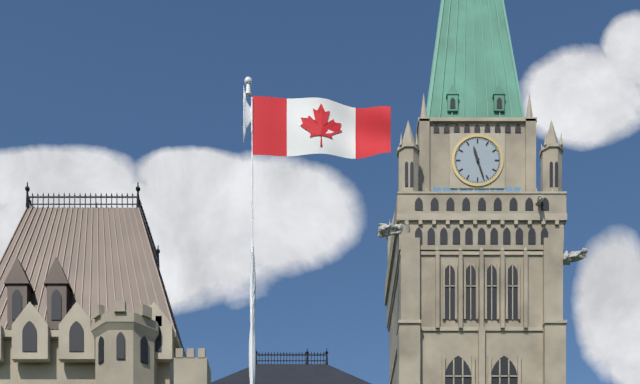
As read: h=11 m=27
